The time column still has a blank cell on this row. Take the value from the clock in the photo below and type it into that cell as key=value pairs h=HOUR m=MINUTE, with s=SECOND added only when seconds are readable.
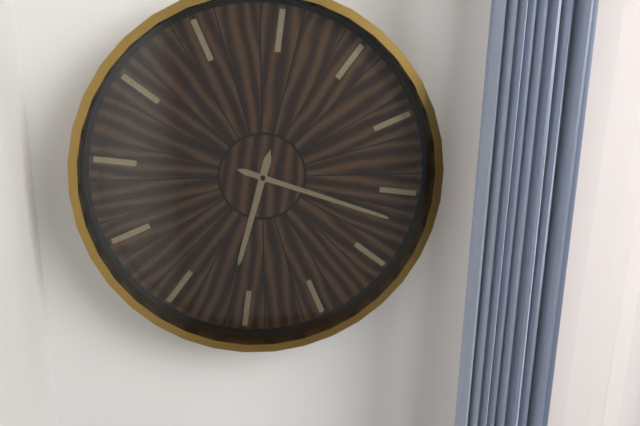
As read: h=6 m=17
